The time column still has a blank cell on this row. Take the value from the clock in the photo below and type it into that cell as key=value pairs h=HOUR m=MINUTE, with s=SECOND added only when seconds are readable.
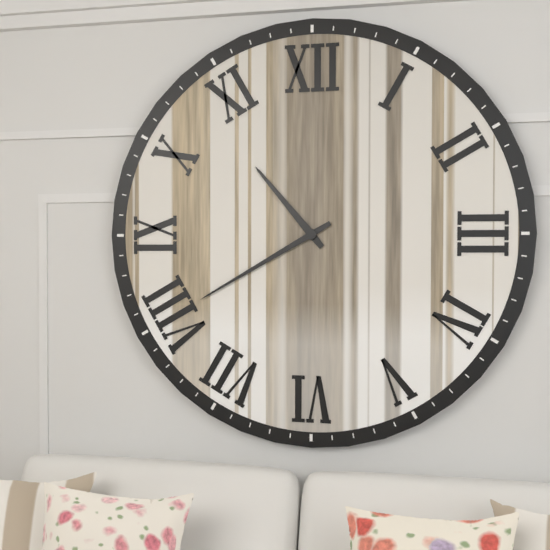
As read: h=10 m=40
